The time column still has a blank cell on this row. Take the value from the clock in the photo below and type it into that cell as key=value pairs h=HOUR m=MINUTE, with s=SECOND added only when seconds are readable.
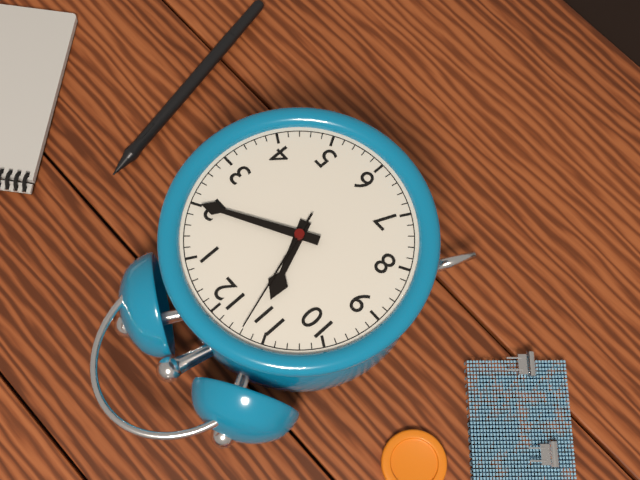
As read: h=11 m=10 s=57
